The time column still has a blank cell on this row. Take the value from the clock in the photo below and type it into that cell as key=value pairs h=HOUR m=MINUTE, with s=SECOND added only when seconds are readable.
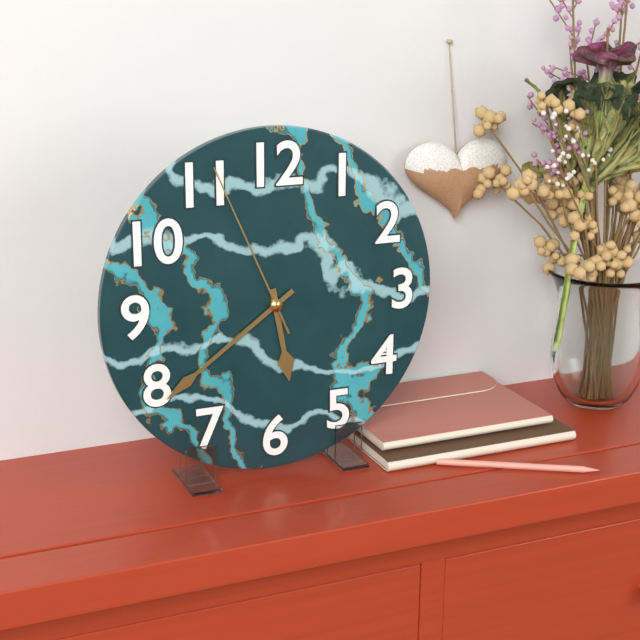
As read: h=5 m=39 s=56
